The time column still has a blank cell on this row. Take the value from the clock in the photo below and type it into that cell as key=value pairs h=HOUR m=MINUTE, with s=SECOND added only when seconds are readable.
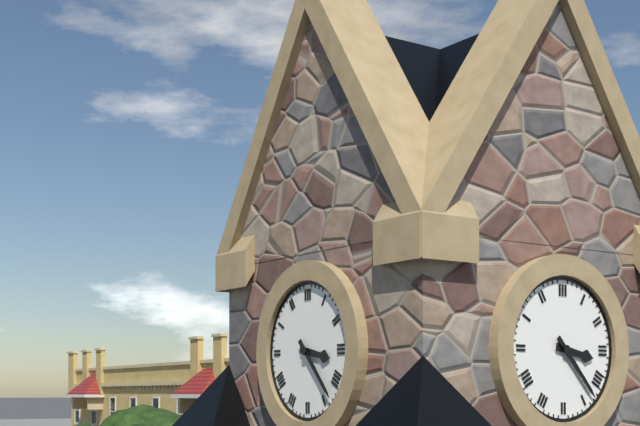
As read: h=3 m=23
